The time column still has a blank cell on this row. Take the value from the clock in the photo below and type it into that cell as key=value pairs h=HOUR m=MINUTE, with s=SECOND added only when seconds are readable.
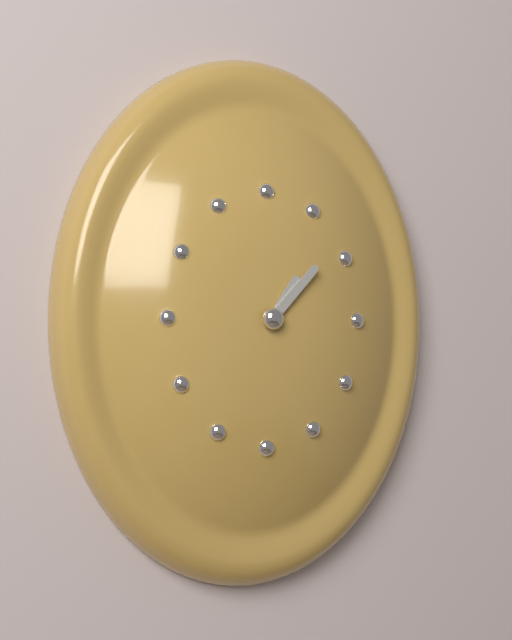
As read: h=1 m=7
